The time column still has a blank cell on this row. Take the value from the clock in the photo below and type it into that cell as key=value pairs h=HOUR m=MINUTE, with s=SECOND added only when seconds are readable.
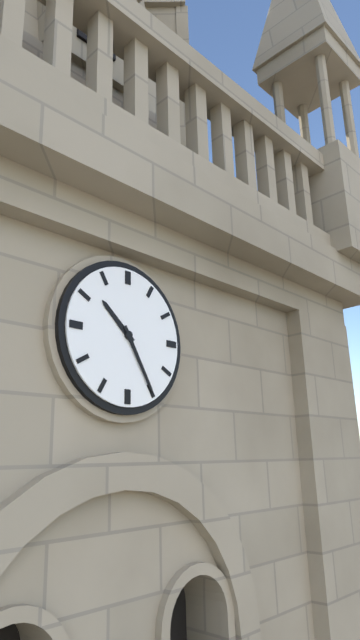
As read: h=10 m=25
